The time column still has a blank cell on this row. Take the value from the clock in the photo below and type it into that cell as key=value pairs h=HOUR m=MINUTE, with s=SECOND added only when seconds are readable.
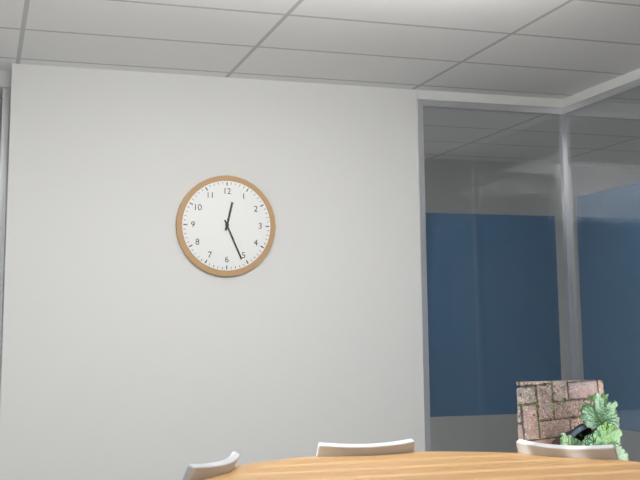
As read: h=12 m=26
